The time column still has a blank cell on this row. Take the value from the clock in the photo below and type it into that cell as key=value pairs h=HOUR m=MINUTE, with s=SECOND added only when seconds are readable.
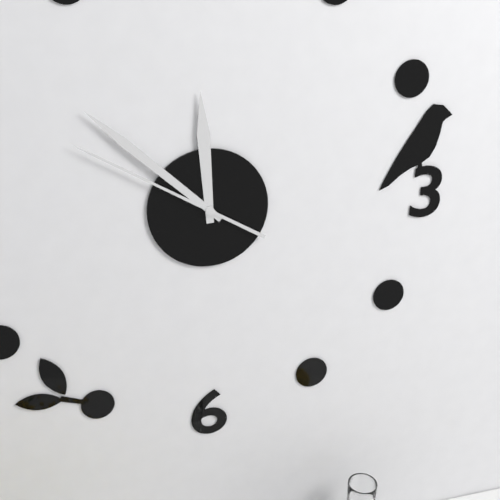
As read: h=11 m=52 s=50
